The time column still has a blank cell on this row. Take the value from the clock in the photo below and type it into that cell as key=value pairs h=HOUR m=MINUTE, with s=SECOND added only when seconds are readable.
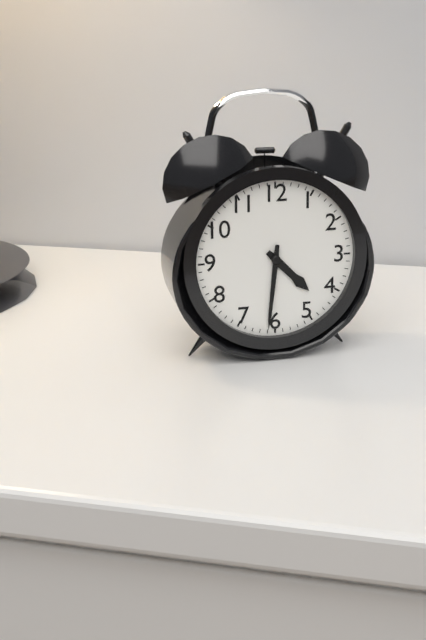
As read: h=4 m=31
